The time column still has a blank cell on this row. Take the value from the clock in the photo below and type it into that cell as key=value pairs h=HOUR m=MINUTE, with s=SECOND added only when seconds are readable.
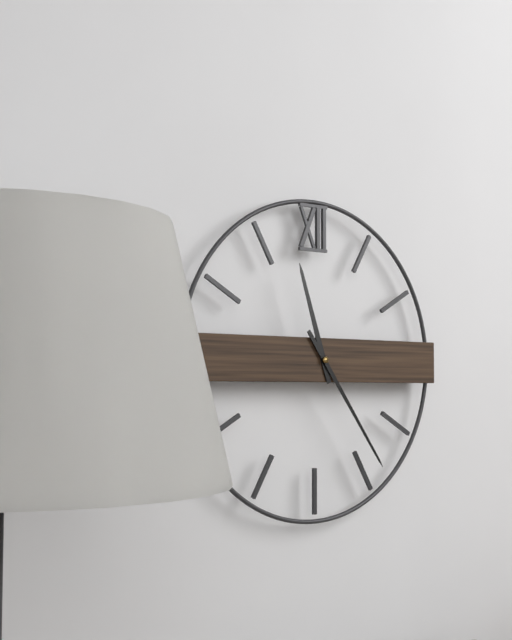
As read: h=11 m=24
